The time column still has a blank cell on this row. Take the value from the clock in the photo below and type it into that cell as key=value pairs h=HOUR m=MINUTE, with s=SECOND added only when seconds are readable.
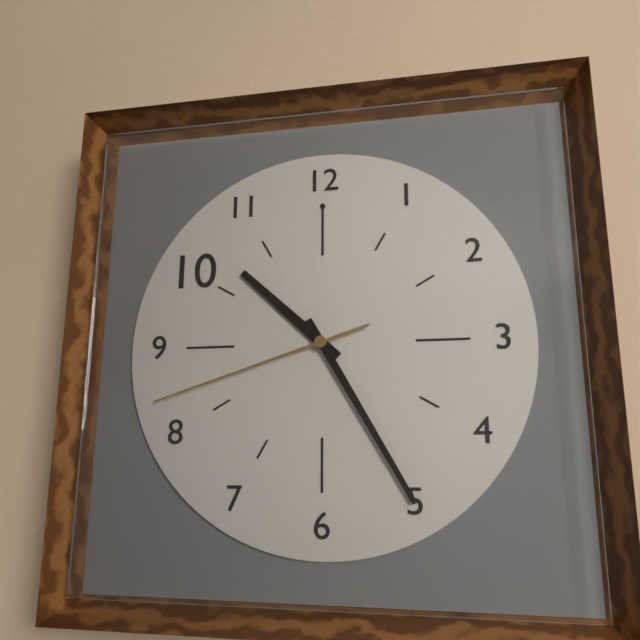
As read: h=10 m=25 s=42
